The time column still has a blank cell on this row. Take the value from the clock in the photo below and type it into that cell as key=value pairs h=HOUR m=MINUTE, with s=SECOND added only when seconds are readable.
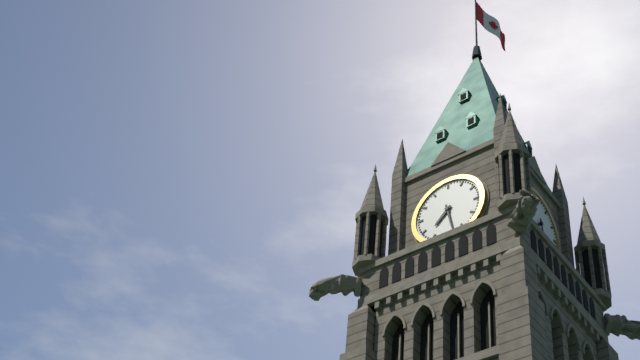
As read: h=7 m=28
